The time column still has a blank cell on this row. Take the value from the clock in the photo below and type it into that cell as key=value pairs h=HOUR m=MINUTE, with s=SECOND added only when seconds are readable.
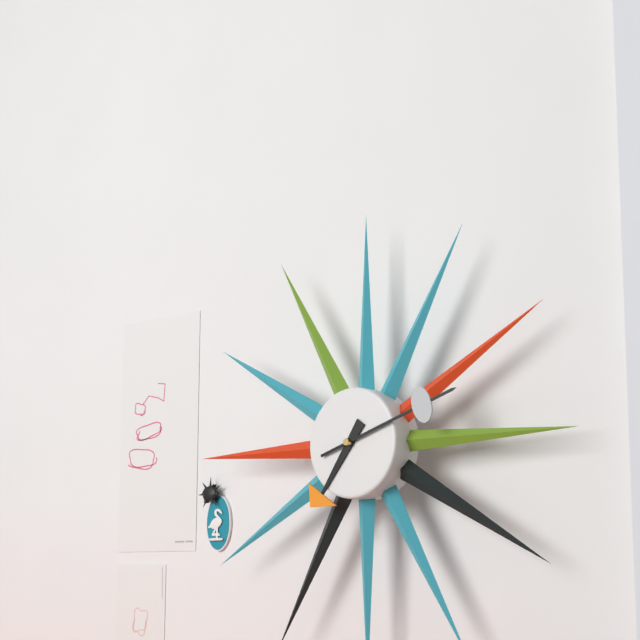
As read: h=7 m=12
